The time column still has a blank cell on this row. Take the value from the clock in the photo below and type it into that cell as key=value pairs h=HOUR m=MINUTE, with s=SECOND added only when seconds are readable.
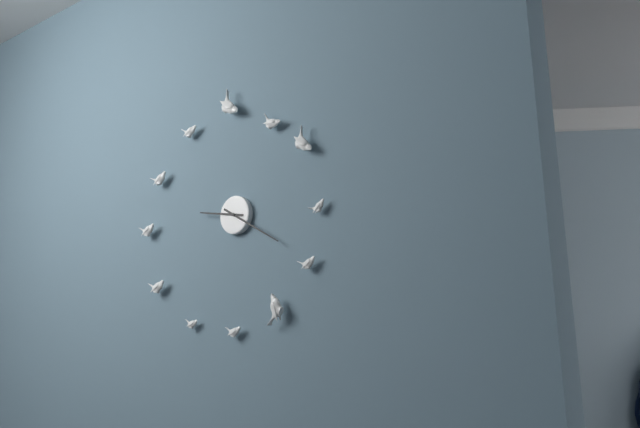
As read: h=9 m=20
